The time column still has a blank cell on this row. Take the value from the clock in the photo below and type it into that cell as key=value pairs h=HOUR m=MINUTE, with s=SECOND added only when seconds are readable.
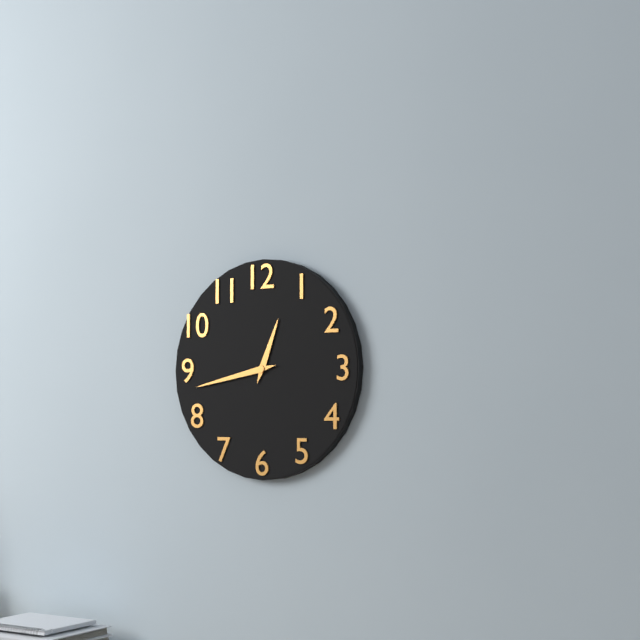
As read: h=12 m=43
